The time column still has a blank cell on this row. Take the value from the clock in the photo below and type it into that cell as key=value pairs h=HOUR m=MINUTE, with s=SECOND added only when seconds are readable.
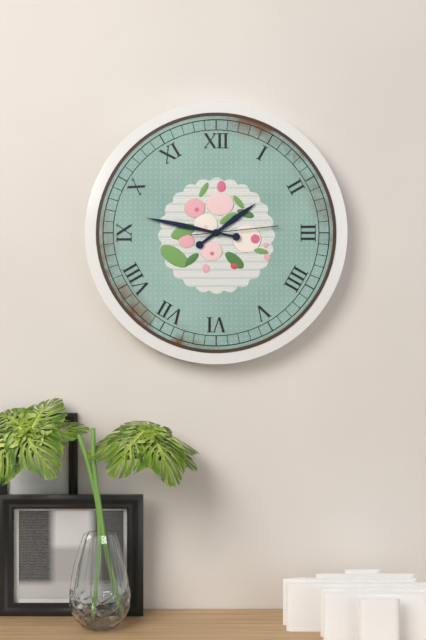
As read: h=1 m=47 s=14
